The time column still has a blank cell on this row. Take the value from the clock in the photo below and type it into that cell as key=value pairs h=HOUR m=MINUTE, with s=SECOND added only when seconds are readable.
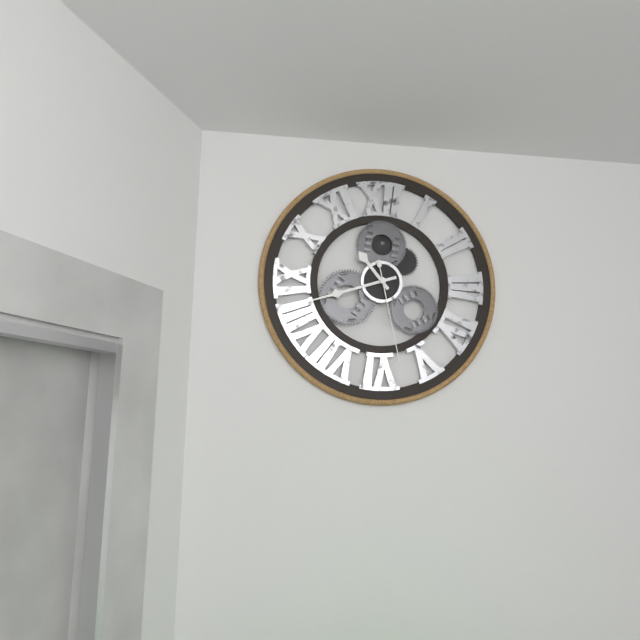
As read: h=10 m=42 s=28
